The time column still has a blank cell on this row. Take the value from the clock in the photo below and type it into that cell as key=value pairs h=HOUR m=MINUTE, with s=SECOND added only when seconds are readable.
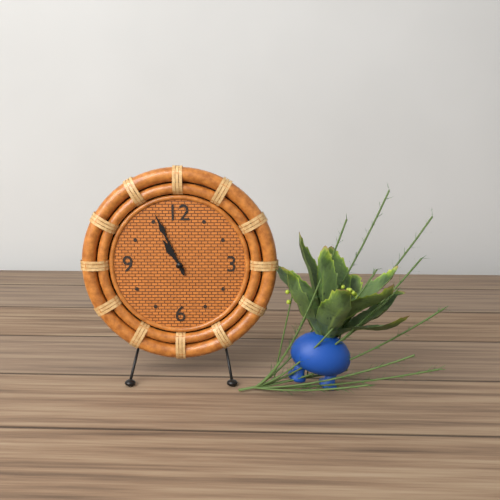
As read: h=10 m=56
